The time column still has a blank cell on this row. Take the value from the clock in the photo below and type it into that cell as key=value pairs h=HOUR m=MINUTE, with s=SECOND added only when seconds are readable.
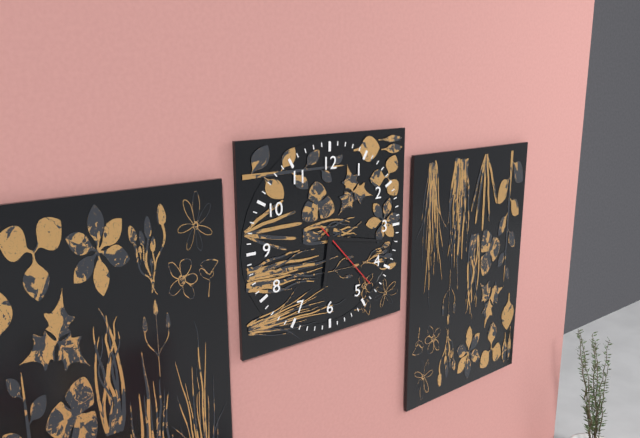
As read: h=6 m=17 s=23
